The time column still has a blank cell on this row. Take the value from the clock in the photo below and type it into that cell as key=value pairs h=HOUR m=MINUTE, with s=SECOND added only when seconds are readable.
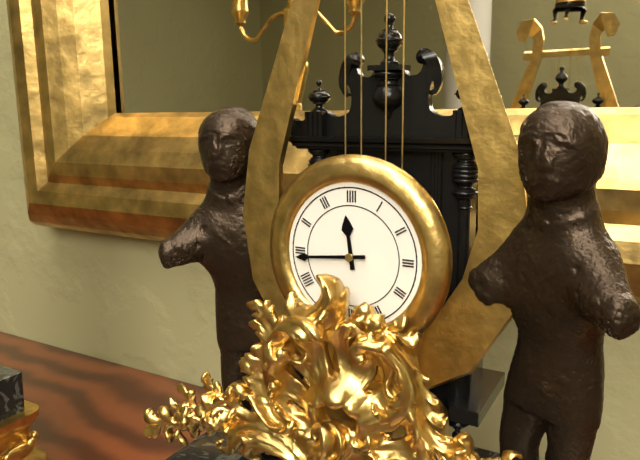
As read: h=11 m=44
